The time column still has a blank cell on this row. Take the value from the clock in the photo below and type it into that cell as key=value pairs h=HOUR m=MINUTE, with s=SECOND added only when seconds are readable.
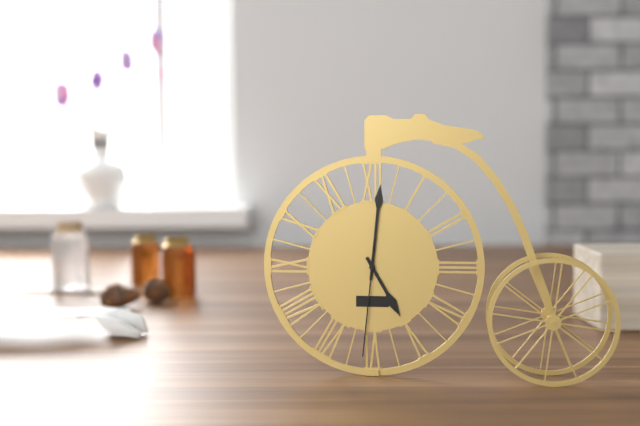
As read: h=5 m=1 s=31
